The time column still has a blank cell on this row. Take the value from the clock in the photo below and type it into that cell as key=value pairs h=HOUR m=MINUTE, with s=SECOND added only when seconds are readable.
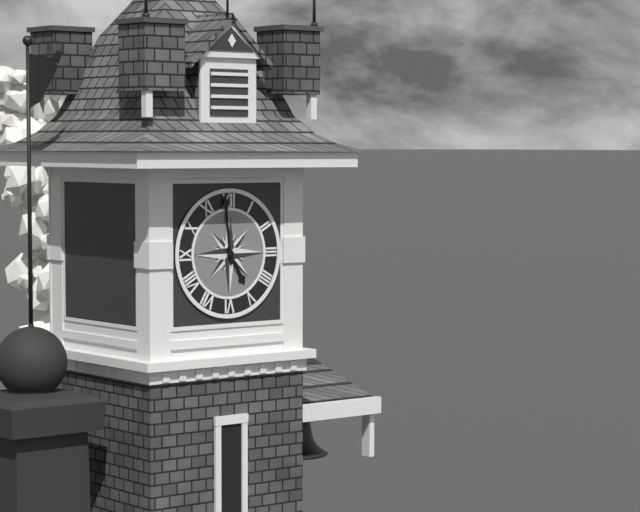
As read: h=4 m=59
